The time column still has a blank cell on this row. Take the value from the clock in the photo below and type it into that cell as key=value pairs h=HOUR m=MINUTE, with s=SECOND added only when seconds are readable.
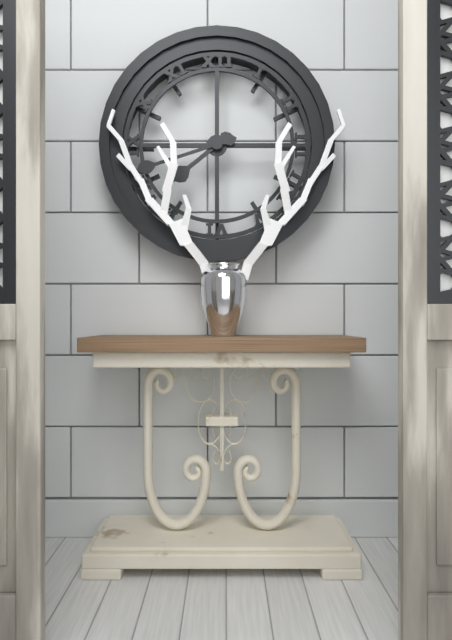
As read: h=7 m=42
